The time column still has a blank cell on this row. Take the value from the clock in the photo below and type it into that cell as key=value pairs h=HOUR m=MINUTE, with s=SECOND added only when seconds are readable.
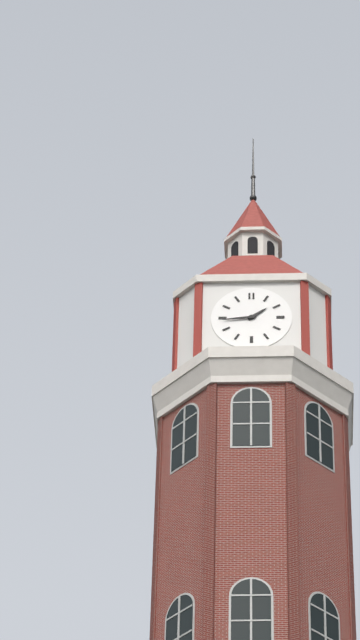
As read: h=1 m=44
